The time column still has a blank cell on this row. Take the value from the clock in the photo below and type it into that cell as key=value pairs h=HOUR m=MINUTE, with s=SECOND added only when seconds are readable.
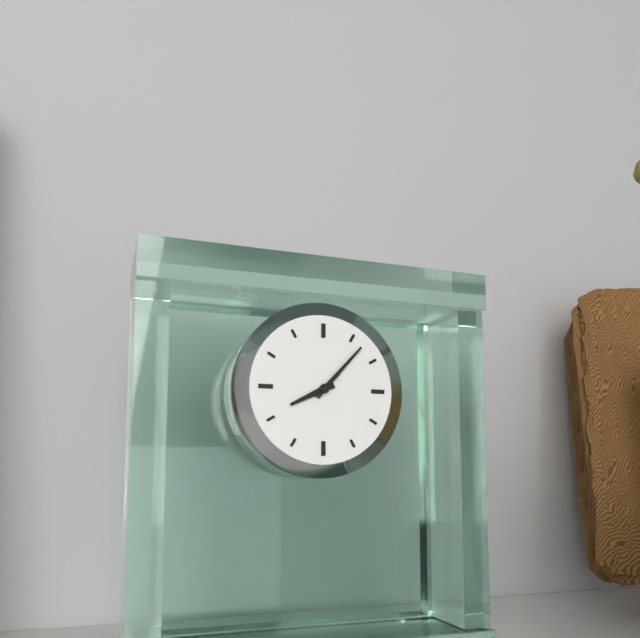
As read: h=8 m=7
